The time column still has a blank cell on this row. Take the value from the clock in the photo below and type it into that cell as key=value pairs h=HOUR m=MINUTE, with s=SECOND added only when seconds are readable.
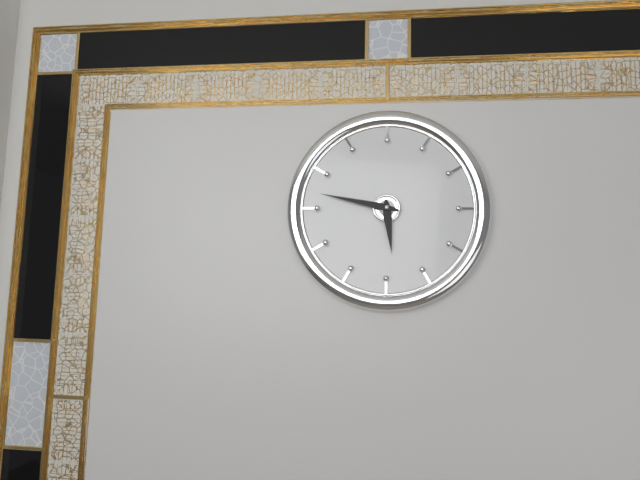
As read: h=5 m=47
